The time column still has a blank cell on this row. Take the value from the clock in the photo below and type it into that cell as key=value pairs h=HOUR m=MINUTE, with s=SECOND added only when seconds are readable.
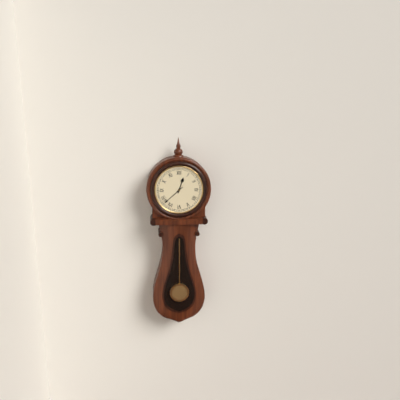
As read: h=12 m=38
